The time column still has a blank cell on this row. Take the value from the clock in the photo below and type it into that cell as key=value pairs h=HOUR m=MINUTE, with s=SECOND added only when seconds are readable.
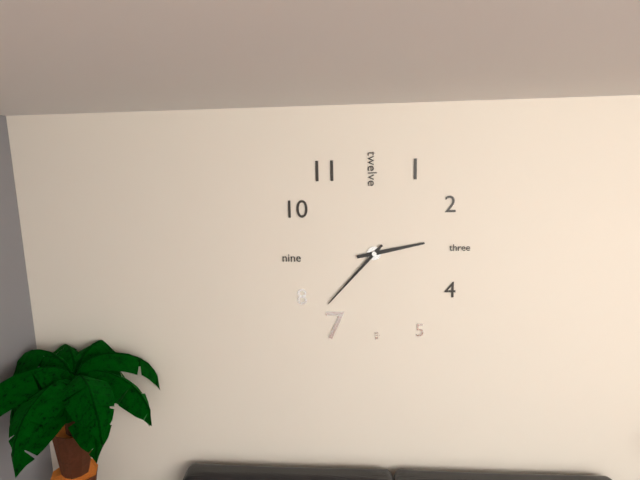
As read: h=2 m=37
